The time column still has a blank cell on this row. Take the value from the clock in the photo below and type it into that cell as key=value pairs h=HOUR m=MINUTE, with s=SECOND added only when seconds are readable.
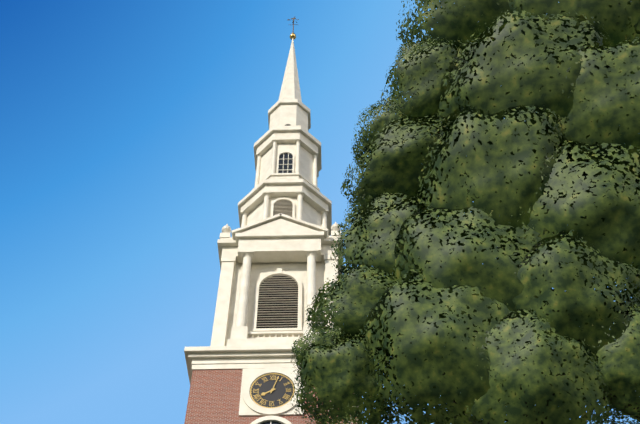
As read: h=8 m=3
